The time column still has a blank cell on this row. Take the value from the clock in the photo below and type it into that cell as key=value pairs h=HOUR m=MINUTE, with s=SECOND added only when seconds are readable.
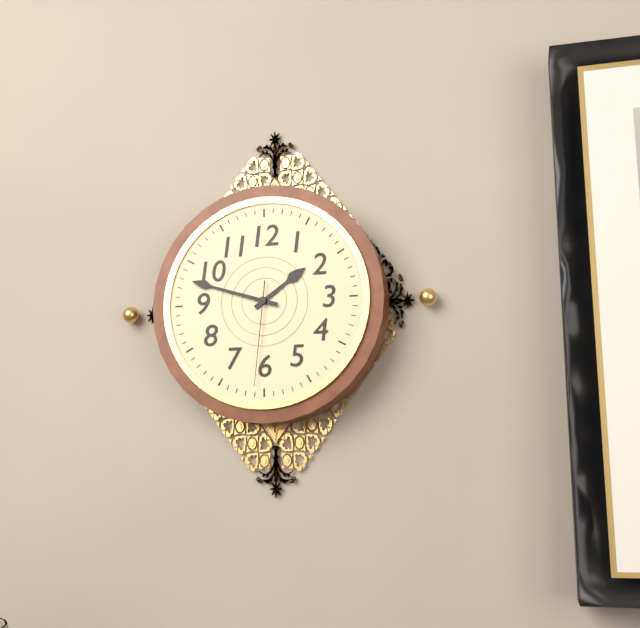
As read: h=1 m=48 s=31
